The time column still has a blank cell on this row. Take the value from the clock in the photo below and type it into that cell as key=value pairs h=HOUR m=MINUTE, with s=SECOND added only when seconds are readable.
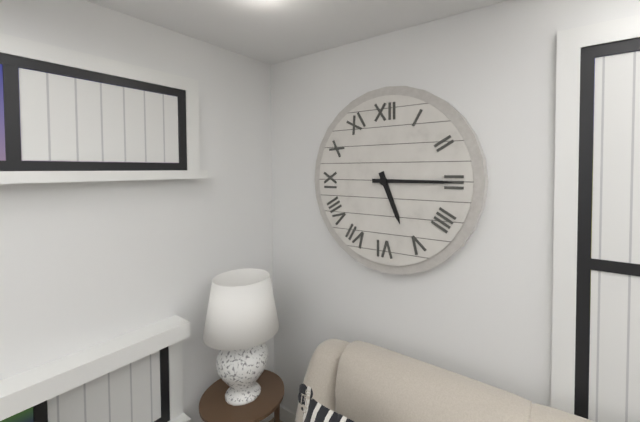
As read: h=5 m=15
